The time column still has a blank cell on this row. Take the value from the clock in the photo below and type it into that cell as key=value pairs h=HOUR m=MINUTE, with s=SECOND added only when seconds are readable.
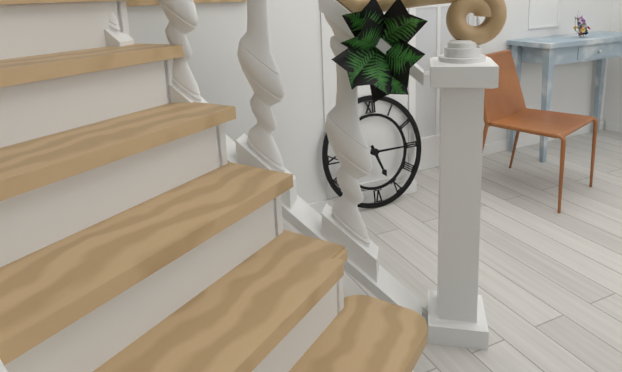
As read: h=5 m=15
